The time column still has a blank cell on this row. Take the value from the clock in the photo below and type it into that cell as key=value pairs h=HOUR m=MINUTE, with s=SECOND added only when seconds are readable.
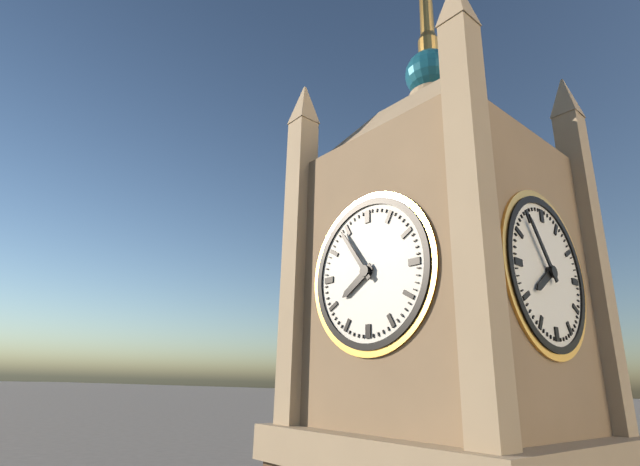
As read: h=7 m=54
